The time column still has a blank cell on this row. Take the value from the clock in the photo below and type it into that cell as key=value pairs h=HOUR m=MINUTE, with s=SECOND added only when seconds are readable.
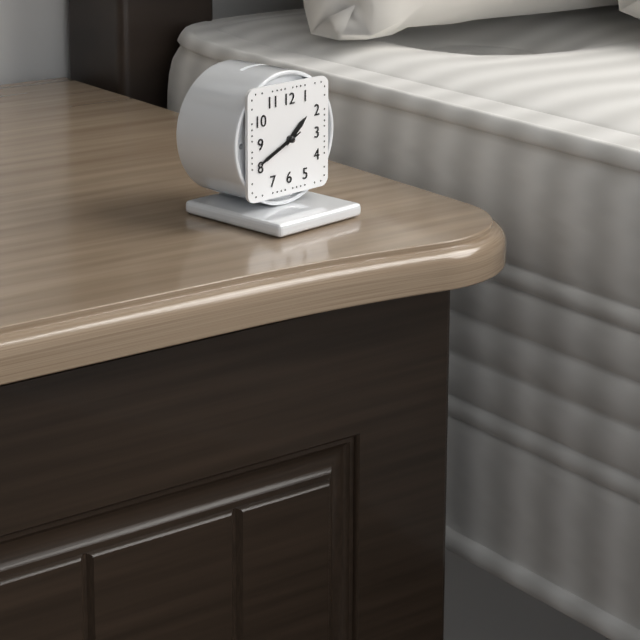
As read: h=1 m=41
